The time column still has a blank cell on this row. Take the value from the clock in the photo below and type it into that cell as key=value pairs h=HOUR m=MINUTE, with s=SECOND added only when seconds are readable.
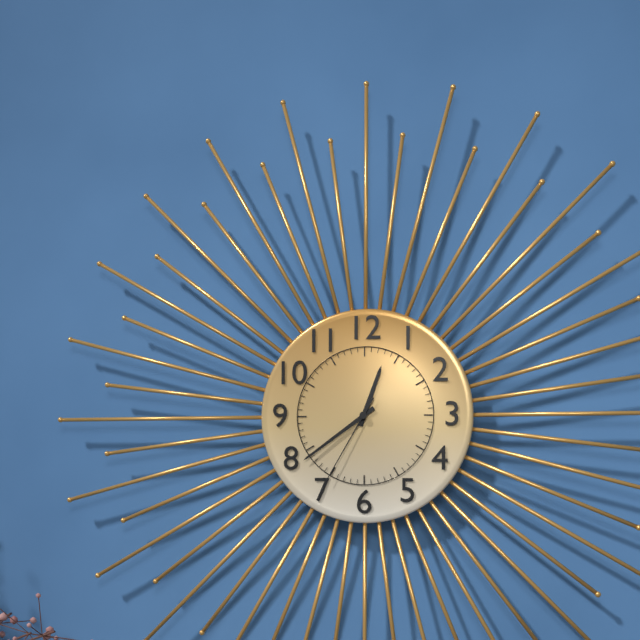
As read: h=12 m=39 s=35
